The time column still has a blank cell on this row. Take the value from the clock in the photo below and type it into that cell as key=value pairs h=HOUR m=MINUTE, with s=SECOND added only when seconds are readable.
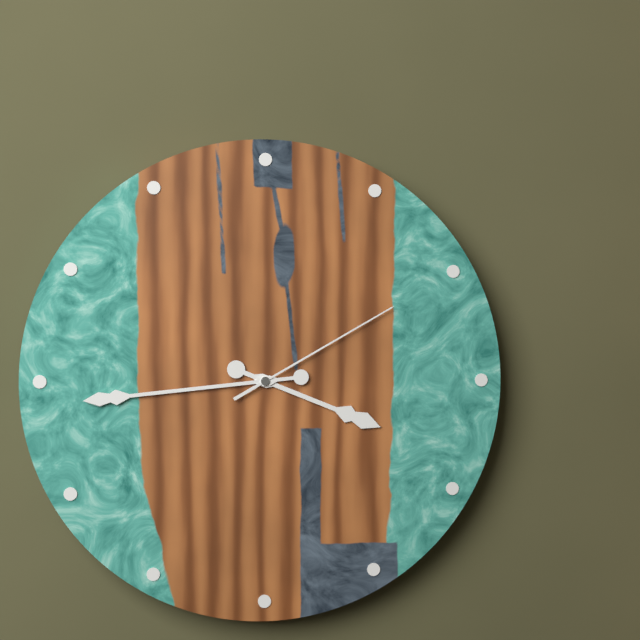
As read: h=3 m=44 s=10
